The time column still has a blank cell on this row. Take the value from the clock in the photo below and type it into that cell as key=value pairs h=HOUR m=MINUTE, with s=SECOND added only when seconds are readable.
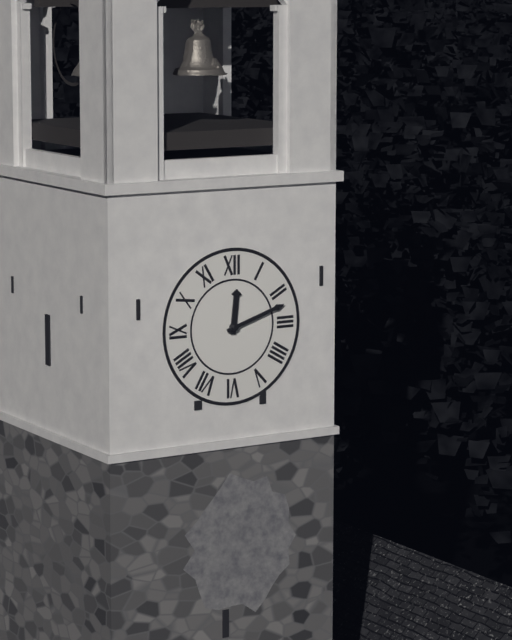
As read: h=12 m=12
